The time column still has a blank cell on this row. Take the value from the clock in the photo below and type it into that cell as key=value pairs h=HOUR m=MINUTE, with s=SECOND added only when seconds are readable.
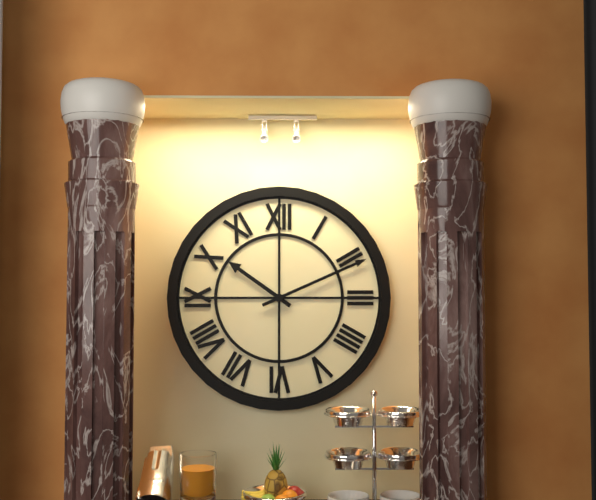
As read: h=10 m=11
